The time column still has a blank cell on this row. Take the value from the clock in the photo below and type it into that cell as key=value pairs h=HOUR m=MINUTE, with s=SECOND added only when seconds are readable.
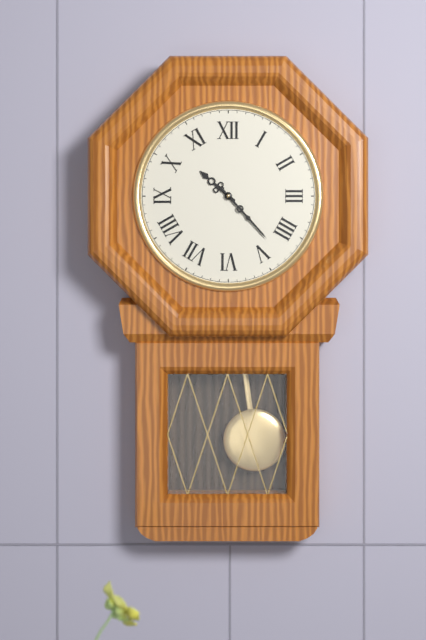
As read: h=10 m=23
